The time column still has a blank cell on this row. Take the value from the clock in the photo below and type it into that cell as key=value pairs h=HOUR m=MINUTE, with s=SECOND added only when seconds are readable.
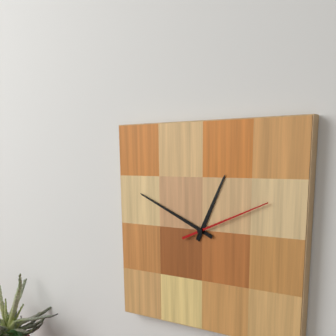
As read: h=12 m=49 s=11
